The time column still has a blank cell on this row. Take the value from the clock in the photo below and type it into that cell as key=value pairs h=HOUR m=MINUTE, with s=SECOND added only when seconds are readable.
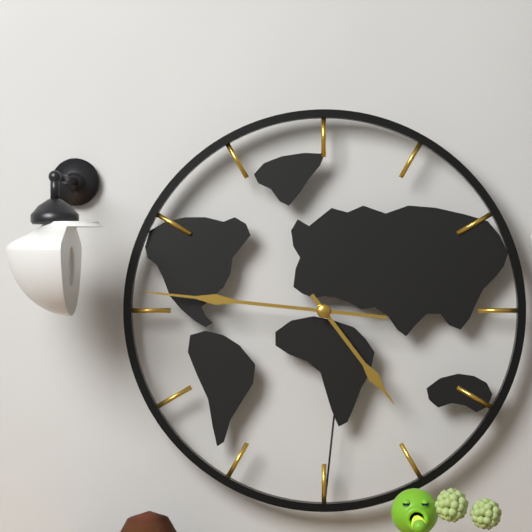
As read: h=4 m=46
